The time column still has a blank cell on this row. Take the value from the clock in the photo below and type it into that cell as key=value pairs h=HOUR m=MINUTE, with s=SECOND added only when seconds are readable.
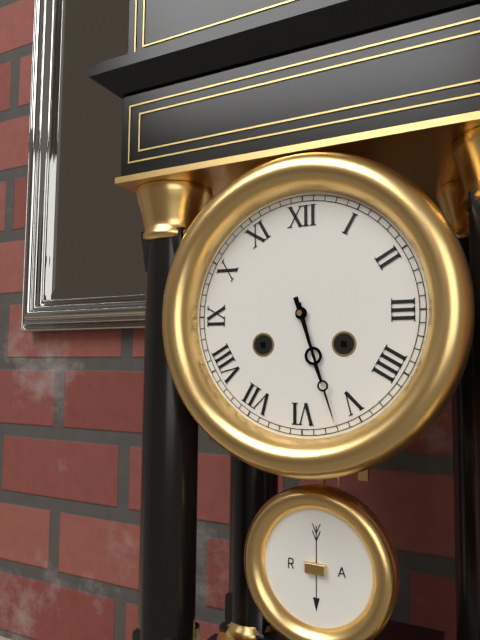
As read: h=5 m=27
